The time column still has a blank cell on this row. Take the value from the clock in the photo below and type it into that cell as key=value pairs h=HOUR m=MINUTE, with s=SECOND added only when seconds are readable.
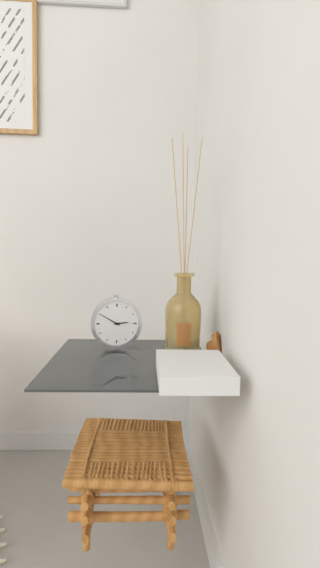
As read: h=2 m=50
